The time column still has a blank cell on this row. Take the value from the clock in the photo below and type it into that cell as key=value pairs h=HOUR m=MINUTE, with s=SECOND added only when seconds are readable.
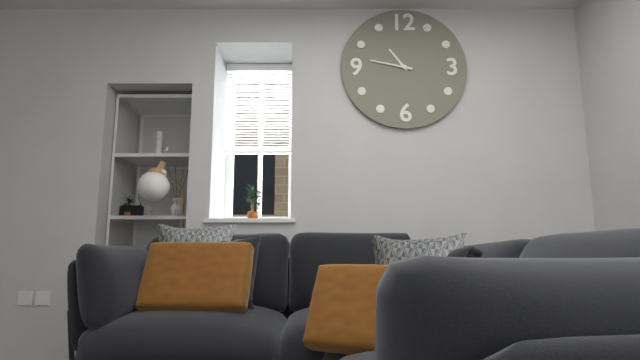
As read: h=10 m=47
